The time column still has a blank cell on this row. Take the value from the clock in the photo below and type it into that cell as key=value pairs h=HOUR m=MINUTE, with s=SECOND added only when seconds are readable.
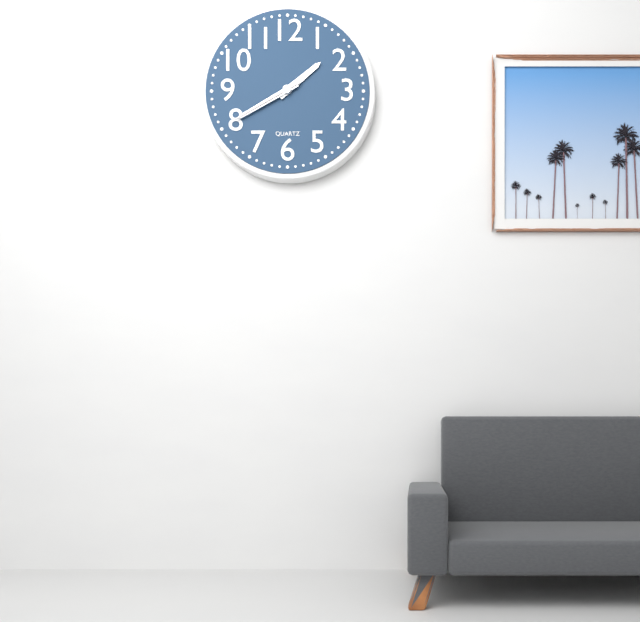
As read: h=1 m=40 s=40
